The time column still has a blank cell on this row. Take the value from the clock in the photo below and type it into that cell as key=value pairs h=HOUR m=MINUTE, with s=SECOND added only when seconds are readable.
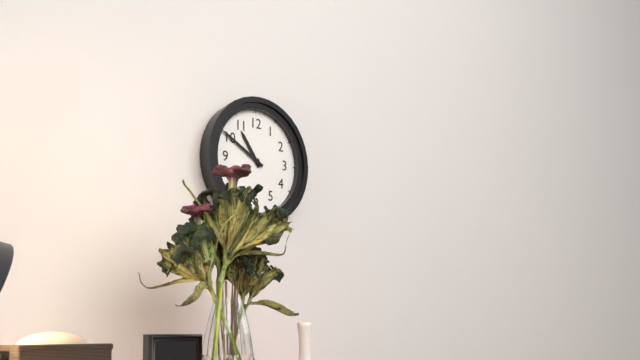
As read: h=10 m=50
